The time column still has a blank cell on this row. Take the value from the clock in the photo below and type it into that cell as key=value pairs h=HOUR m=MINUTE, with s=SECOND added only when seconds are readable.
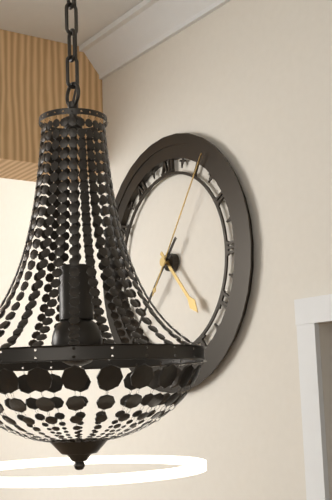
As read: h=4 m=37 s=6
